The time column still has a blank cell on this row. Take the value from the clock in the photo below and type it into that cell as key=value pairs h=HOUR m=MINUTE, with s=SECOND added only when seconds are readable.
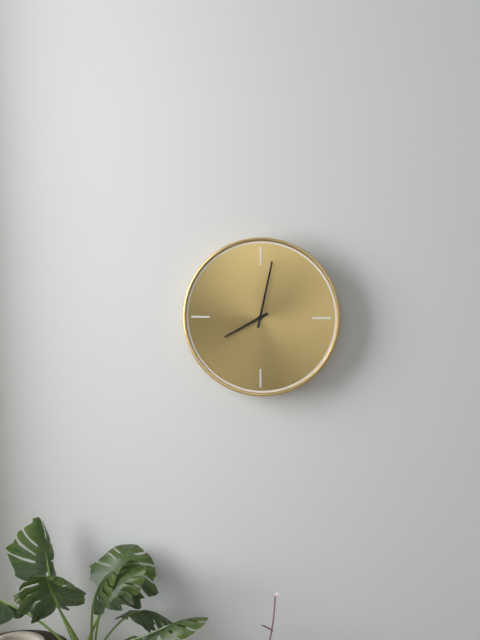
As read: h=8 m=2
